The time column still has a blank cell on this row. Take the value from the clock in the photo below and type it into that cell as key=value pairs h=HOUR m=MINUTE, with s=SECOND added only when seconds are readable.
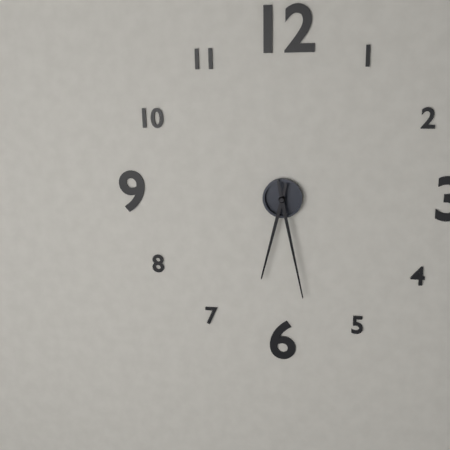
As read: h=6 m=28
